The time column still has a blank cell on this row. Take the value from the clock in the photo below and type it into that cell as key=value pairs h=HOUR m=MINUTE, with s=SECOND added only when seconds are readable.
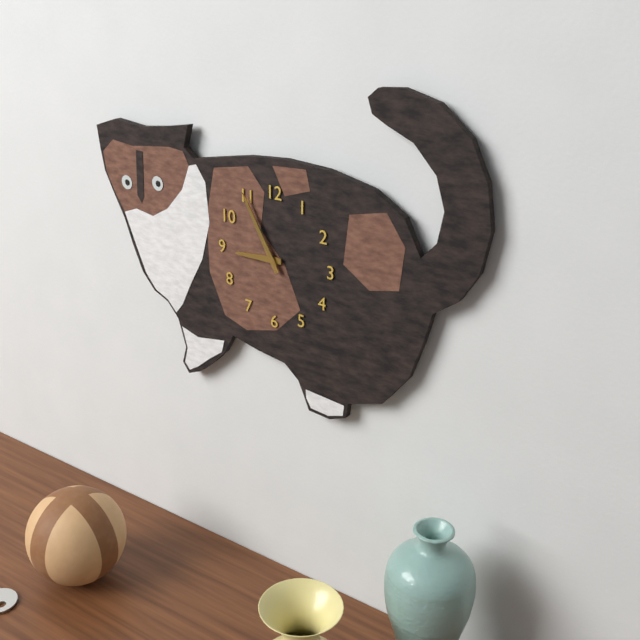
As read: h=8 m=55
